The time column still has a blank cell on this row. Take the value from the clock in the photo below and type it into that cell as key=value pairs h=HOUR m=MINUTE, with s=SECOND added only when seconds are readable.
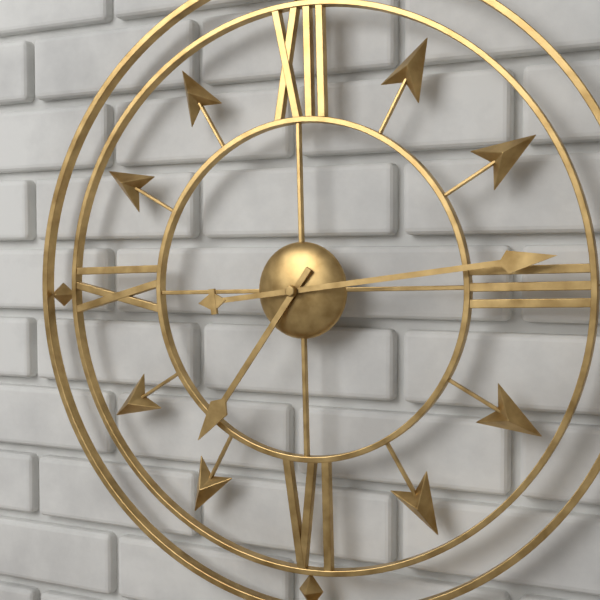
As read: h=7 m=14
